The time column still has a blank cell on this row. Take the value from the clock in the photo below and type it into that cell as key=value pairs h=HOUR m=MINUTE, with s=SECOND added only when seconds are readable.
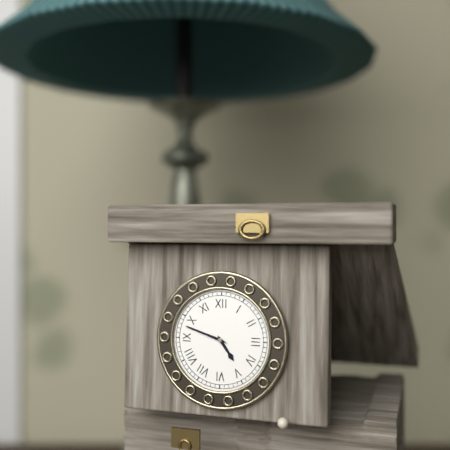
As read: h=4 m=48
